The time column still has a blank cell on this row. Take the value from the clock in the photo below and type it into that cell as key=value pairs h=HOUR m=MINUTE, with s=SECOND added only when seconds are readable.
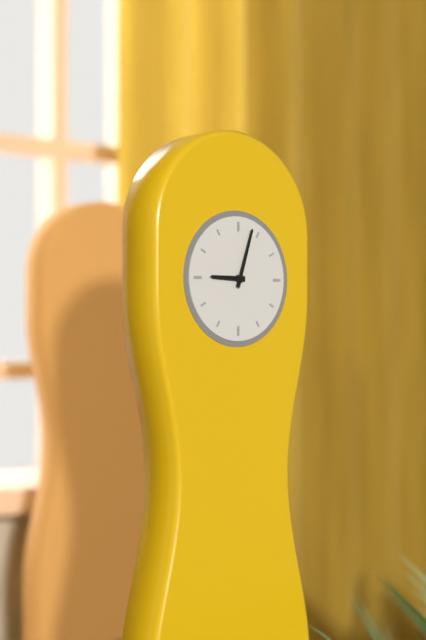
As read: h=9 m=3
